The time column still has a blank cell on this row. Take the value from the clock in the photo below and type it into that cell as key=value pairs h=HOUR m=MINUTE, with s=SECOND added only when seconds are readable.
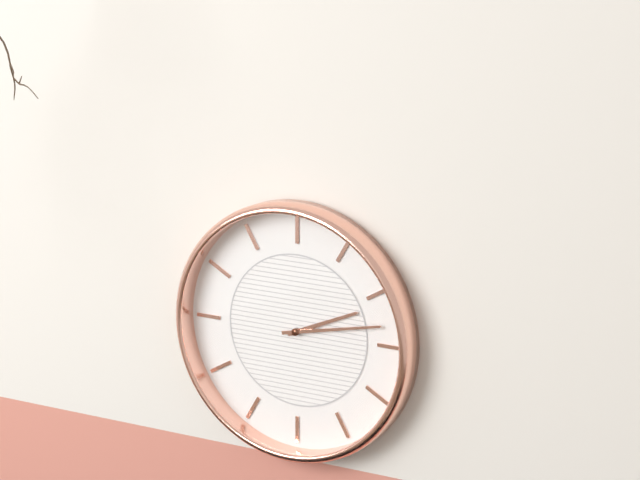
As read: h=2 m=13
